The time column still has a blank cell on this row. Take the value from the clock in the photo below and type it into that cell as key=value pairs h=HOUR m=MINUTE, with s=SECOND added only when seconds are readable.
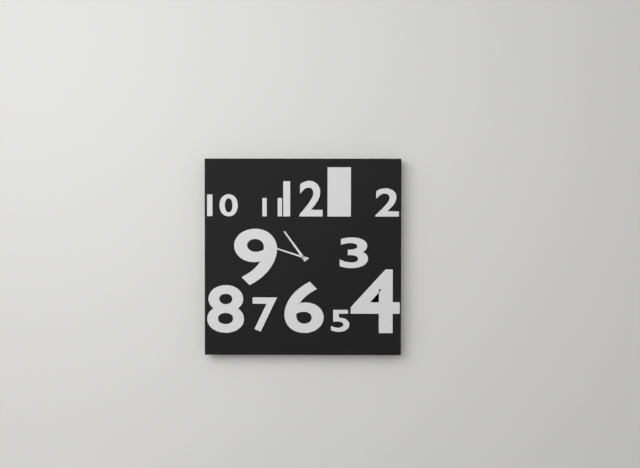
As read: h=10 m=48
